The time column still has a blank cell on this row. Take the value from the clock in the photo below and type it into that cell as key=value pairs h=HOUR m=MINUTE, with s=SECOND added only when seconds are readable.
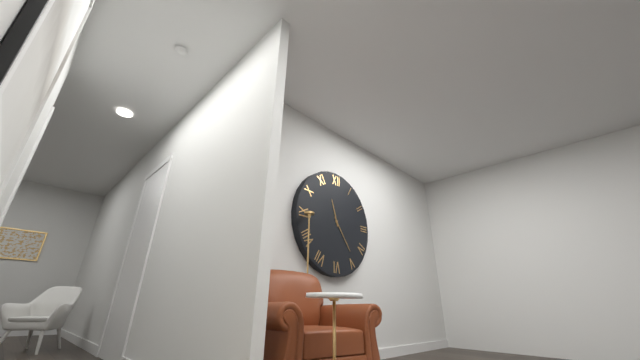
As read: h=11 m=24
